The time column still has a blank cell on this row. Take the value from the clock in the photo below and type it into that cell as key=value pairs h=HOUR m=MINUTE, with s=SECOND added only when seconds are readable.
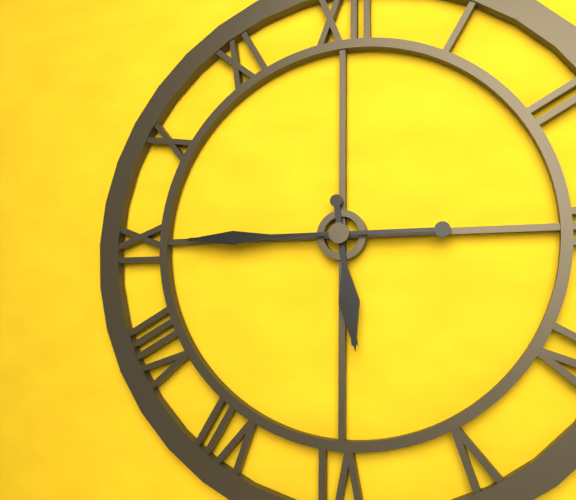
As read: h=5 m=45
